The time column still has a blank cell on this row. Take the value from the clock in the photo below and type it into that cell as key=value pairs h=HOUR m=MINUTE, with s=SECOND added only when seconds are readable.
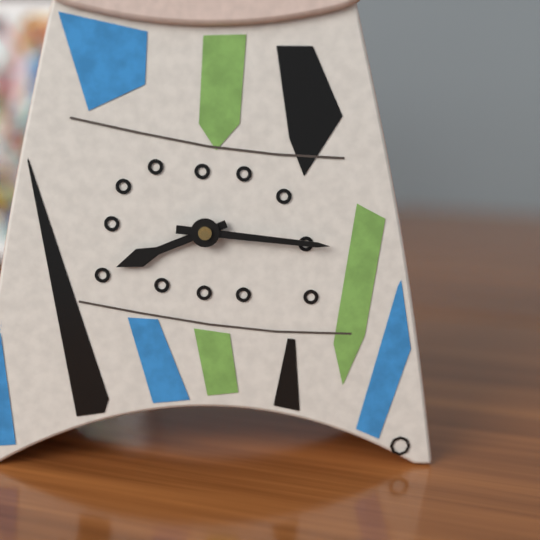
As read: h=8 m=16
